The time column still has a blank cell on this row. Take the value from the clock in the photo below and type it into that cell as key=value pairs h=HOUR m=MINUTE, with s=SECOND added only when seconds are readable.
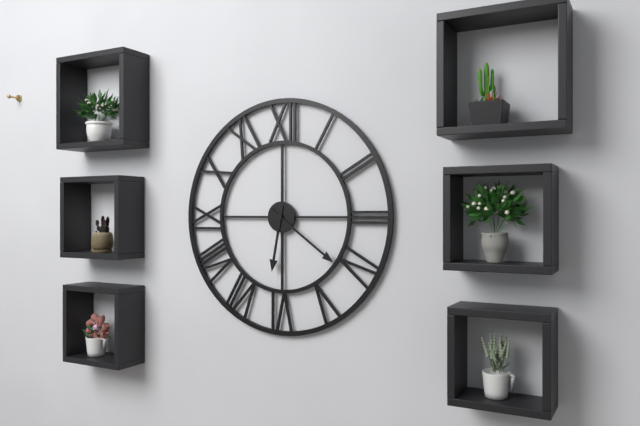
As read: h=6 m=21
